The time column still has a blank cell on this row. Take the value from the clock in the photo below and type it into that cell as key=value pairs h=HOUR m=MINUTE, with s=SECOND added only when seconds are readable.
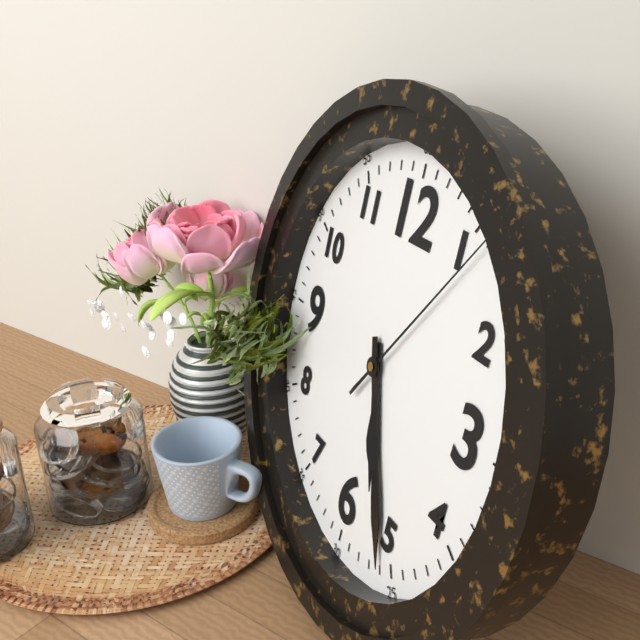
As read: h=5 m=26 s=6
